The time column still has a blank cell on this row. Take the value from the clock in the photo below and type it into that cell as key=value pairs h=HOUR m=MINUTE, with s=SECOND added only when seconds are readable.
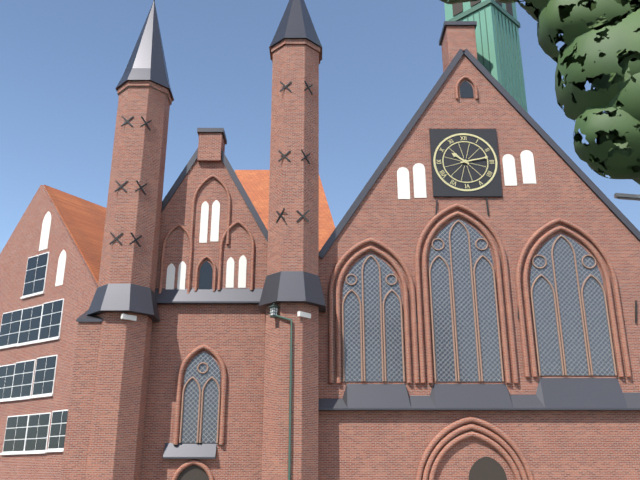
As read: h=10 m=13
